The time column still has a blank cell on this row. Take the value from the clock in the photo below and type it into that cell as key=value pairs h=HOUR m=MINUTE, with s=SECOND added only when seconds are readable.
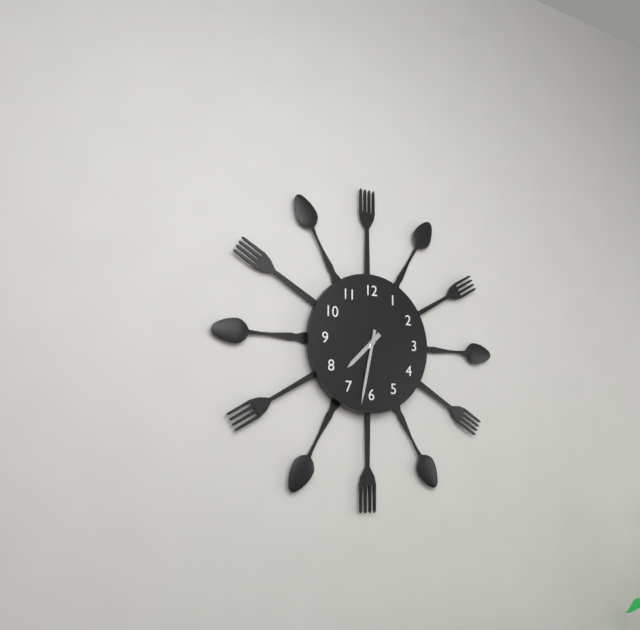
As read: h=7 m=32
